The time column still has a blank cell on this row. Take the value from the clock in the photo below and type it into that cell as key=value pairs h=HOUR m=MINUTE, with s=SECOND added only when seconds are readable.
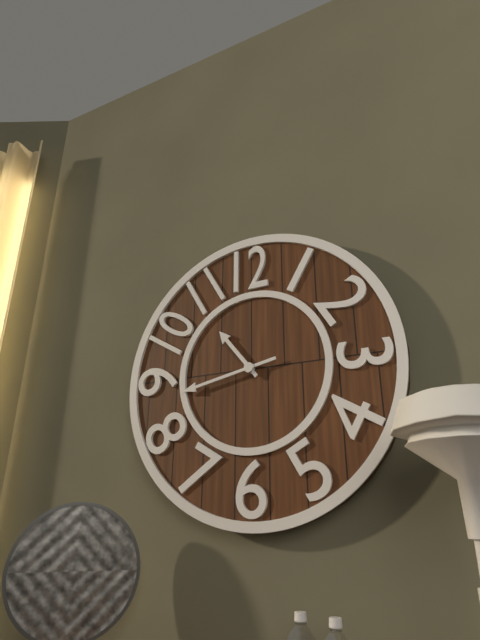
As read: h=10 m=43
